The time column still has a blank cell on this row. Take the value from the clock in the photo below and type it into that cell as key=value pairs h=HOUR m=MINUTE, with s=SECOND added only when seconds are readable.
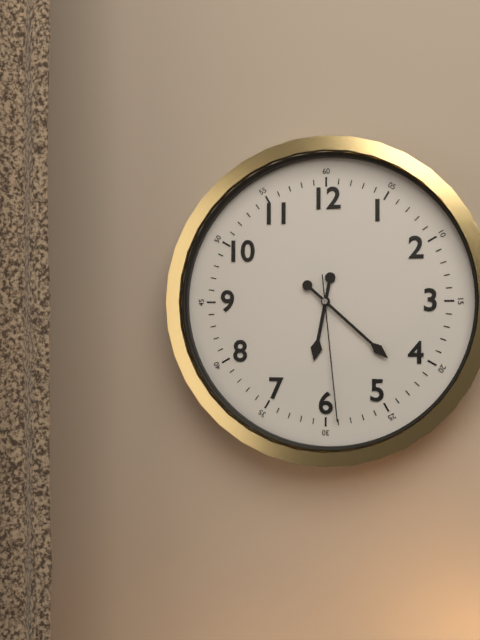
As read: h=6 m=22 s=29
